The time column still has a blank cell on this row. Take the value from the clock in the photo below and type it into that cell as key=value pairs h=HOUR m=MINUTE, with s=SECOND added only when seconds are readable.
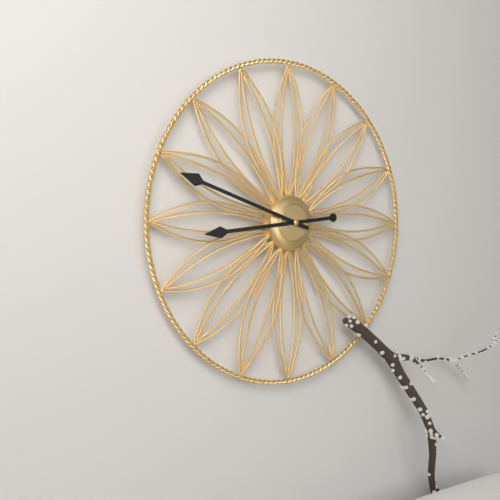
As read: h=8 m=48
